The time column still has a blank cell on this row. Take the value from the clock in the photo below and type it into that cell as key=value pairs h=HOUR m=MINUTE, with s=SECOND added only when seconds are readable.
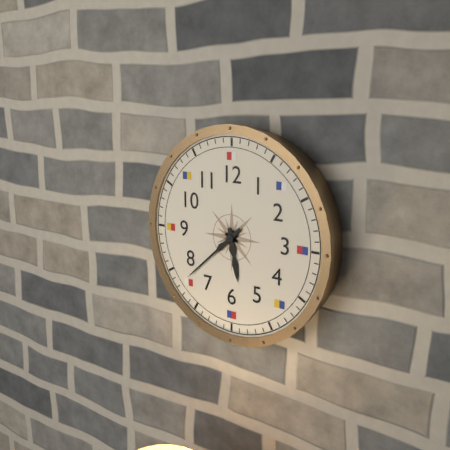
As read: h=5 m=38
